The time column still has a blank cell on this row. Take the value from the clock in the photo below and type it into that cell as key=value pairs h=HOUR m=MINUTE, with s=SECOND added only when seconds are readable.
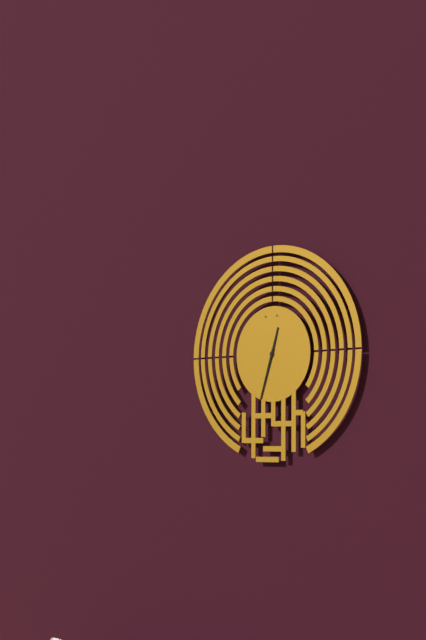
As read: h=12 m=33
